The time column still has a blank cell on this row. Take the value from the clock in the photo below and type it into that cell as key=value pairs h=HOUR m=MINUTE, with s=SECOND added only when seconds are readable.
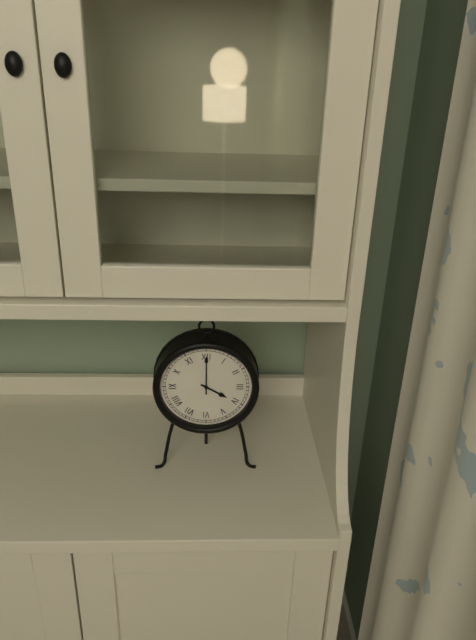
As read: h=4 m=0
